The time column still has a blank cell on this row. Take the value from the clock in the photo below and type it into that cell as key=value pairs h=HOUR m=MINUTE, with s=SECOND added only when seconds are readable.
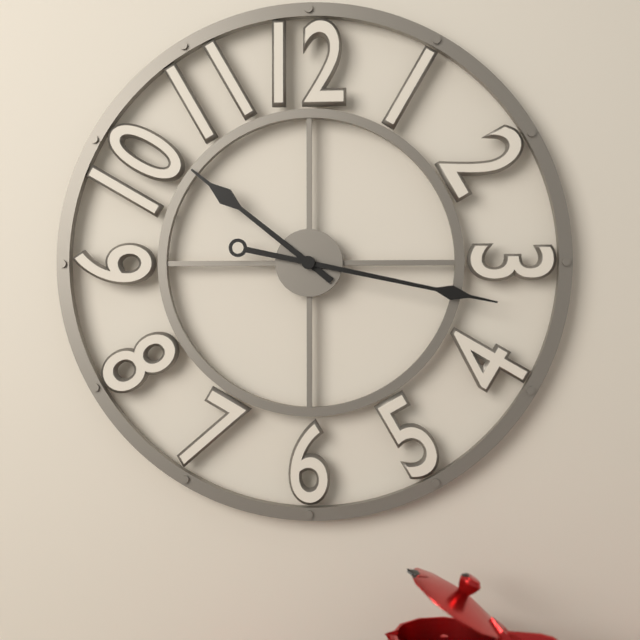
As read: h=10 m=17
